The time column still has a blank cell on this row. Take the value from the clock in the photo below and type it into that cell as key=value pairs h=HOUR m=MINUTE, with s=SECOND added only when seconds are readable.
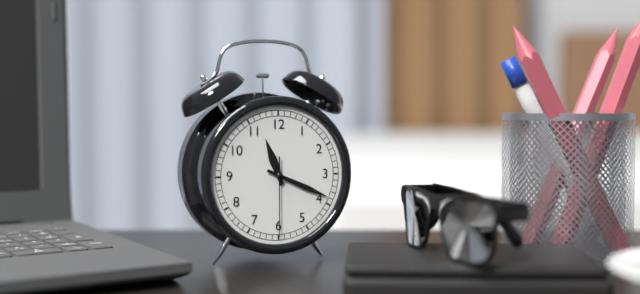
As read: h=11 m=19 s=30
